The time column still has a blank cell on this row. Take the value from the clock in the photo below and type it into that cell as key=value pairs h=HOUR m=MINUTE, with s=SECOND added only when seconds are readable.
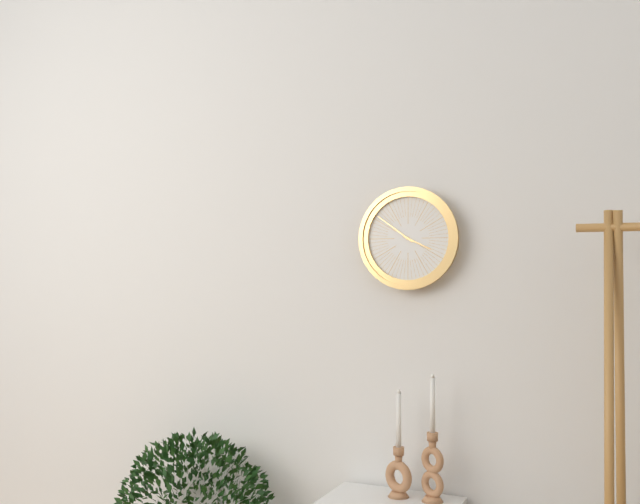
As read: h=3 m=51
